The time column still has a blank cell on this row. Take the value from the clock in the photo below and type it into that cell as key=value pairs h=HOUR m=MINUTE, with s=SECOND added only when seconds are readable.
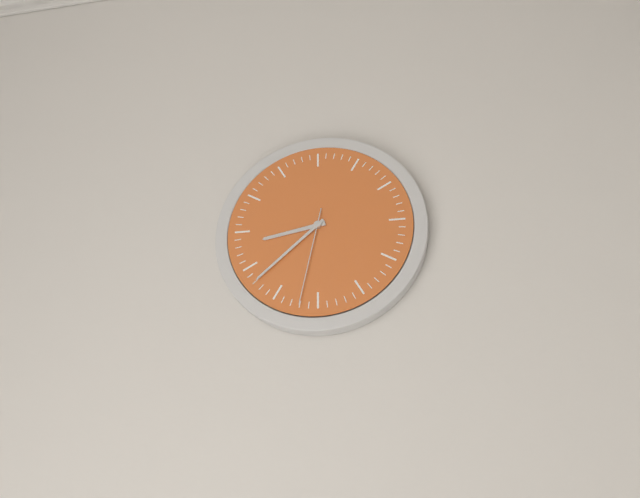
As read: h=8 m=38 s=32
